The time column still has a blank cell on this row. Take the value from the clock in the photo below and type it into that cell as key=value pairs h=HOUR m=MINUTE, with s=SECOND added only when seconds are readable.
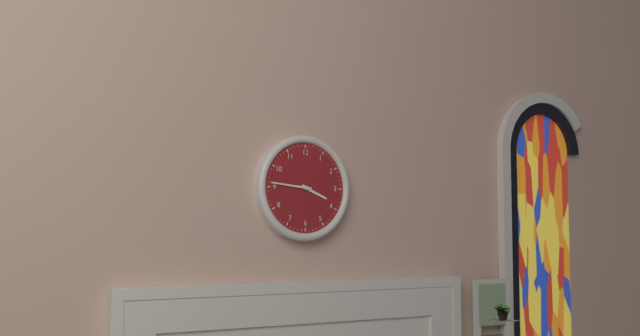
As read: h=3 m=46
